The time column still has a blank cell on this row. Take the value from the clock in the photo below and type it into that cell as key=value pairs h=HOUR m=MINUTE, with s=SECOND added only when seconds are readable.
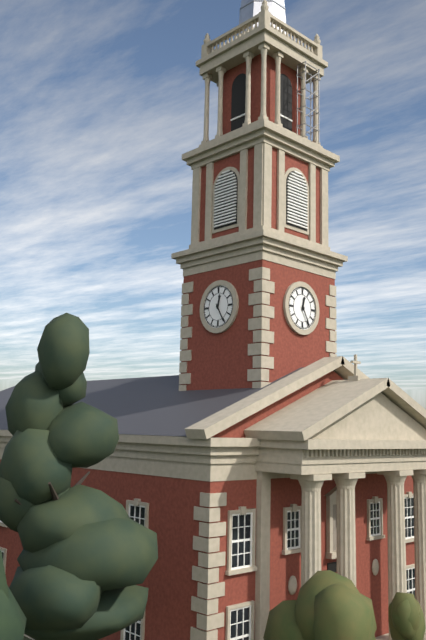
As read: h=12 m=25
